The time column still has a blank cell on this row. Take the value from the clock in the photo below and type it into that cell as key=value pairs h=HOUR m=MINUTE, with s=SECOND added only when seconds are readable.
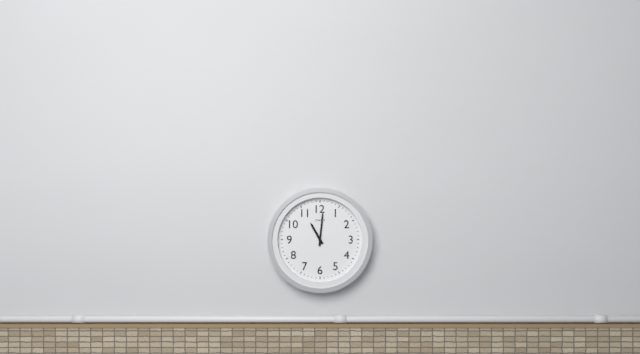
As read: h=11 m=1
